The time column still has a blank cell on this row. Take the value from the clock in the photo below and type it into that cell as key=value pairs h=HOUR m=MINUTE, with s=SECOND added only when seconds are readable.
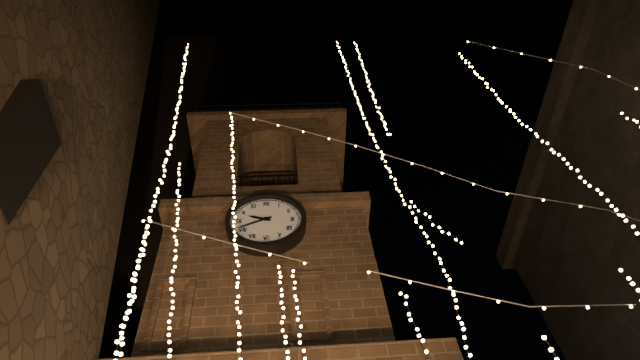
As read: h=9 m=41
